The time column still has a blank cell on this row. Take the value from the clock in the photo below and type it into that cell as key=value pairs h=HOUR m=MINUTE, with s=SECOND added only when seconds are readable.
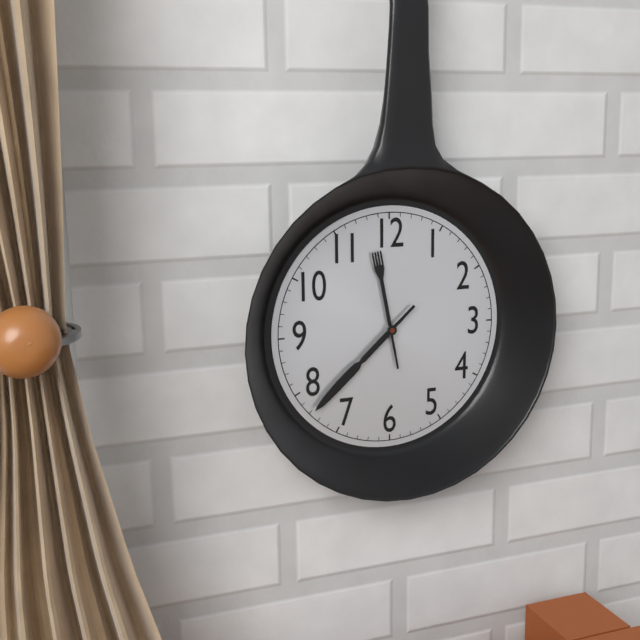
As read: h=11 m=38
